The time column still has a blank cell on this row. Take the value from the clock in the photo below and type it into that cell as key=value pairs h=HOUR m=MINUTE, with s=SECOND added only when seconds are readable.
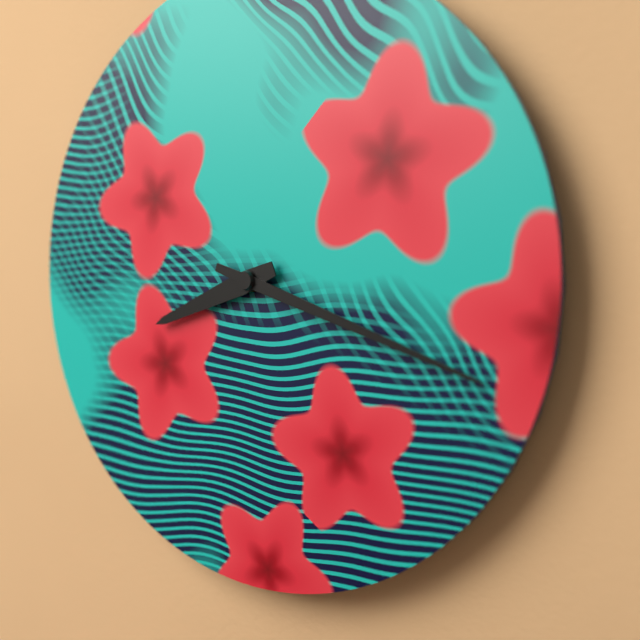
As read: h=8 m=18
